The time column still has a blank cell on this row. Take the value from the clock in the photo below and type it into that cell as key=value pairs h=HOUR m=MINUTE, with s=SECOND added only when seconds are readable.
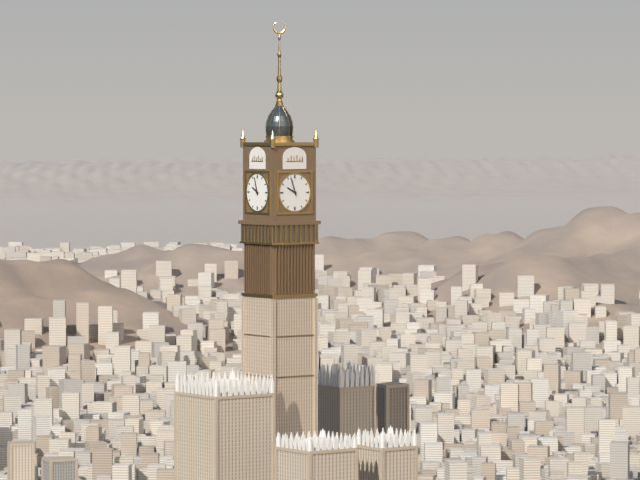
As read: h=9 m=57
